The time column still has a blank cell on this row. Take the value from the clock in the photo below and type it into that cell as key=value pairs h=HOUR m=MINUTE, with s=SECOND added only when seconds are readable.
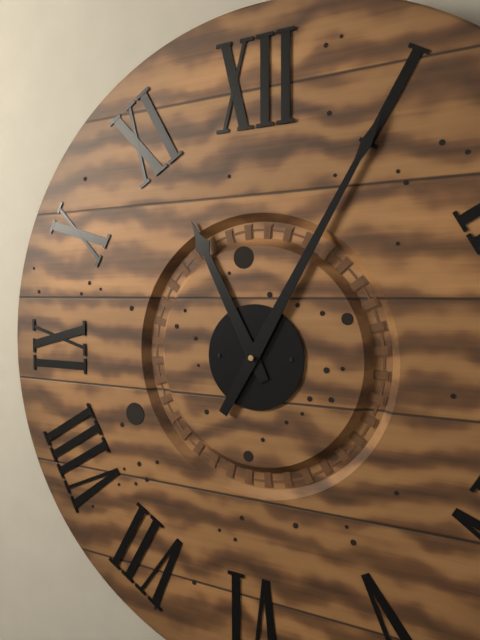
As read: h=11 m=5
